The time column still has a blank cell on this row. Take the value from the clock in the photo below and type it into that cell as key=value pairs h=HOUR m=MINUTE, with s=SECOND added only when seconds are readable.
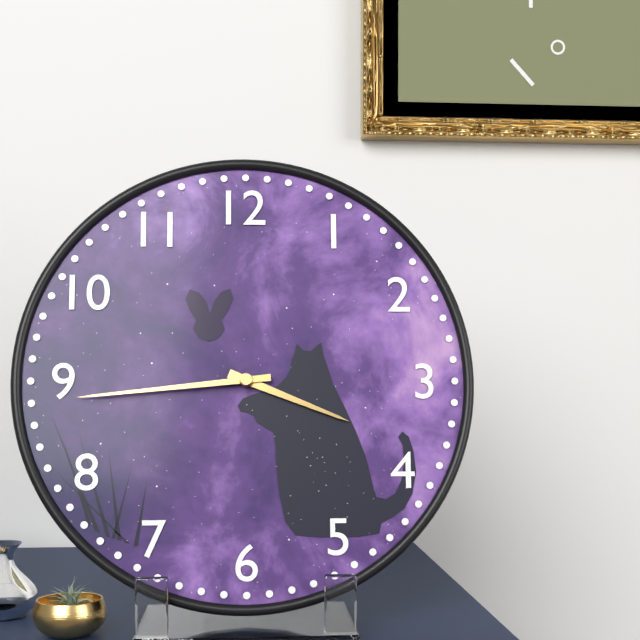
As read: h=3 m=44
